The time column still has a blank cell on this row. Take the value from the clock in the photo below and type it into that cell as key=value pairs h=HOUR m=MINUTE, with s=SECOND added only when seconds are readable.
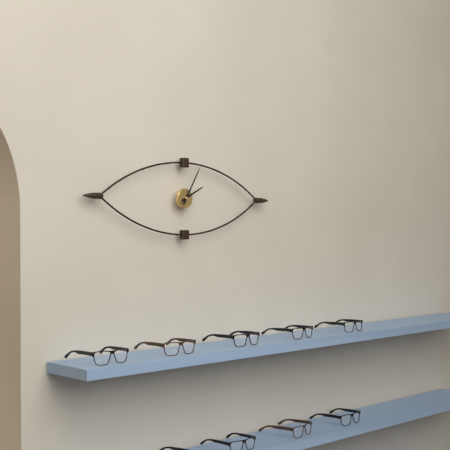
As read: h=2 m=5
